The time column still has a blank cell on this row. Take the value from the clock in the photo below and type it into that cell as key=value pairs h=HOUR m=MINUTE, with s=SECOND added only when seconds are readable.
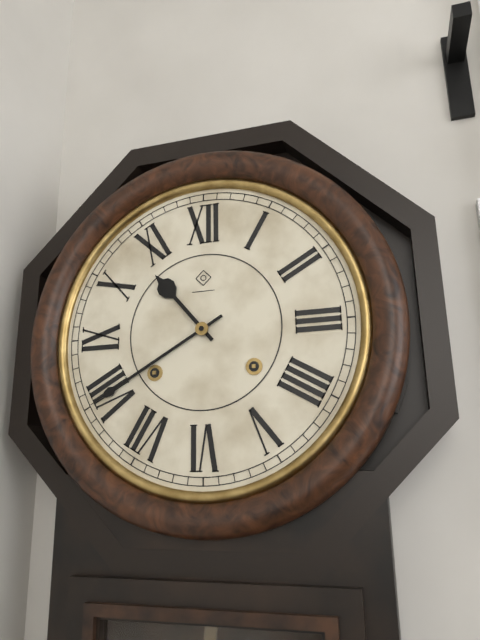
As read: h=10 m=40
